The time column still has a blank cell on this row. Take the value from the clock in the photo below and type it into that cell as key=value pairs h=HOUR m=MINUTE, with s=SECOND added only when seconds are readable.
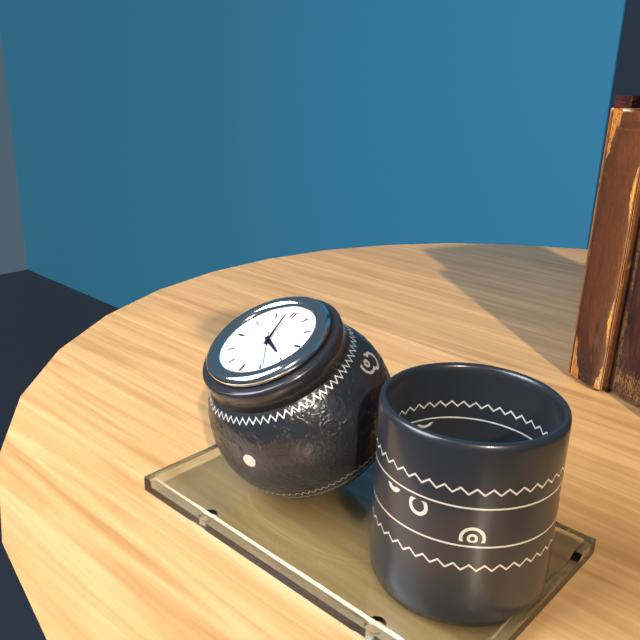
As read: h=3 m=58
